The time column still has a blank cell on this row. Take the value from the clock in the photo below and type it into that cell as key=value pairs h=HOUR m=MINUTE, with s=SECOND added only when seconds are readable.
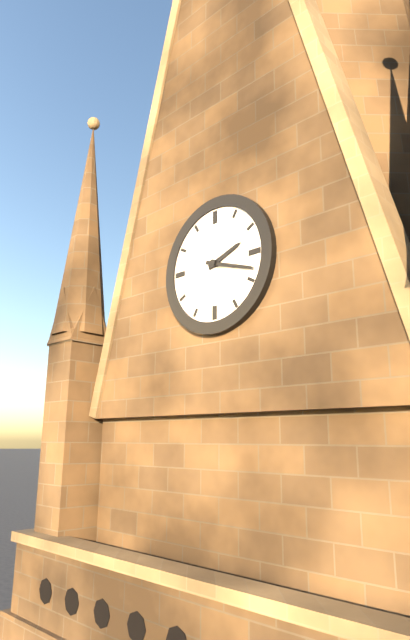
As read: h=2 m=18
